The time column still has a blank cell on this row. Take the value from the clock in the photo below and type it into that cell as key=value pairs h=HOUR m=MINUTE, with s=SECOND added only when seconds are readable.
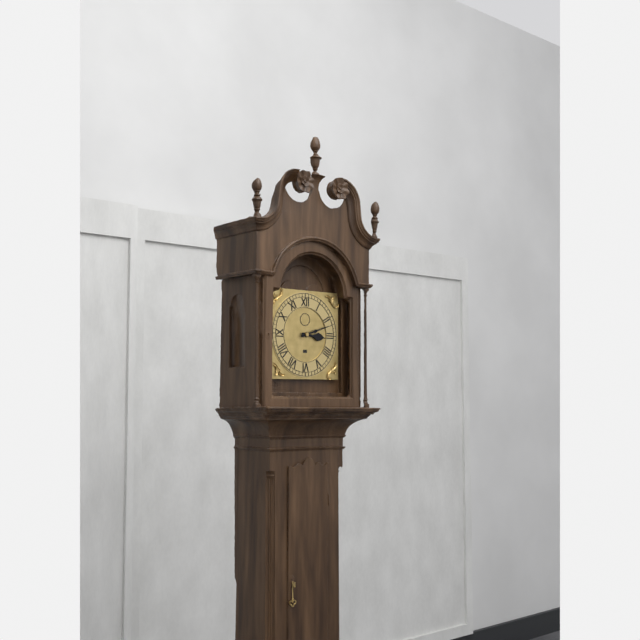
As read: h=3 m=12
